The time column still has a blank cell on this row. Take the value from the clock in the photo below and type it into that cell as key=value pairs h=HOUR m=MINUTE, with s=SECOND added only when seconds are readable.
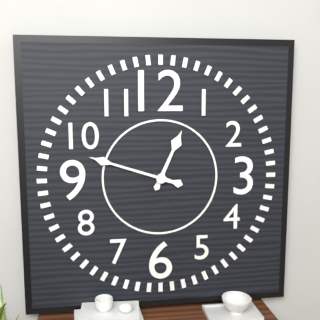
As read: h=12 m=48
